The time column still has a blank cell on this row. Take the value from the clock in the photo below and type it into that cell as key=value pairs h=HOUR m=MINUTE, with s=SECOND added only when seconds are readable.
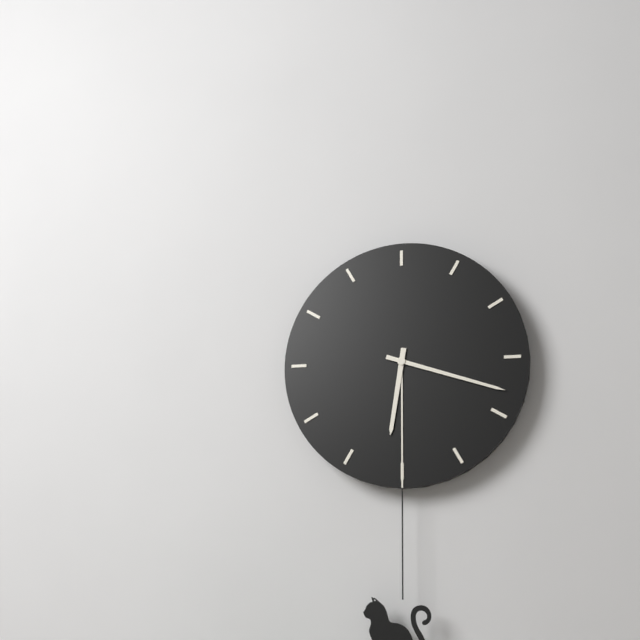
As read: h=6 m=18
